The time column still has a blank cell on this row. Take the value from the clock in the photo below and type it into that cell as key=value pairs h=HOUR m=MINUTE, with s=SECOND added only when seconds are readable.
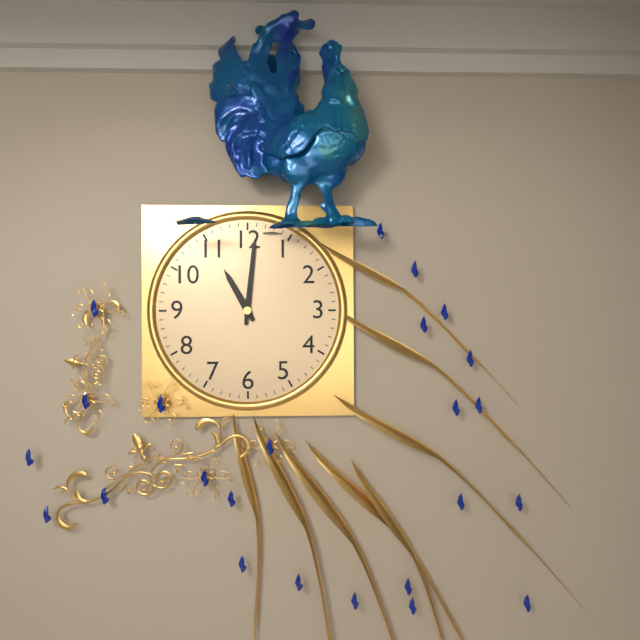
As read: h=11 m=1
